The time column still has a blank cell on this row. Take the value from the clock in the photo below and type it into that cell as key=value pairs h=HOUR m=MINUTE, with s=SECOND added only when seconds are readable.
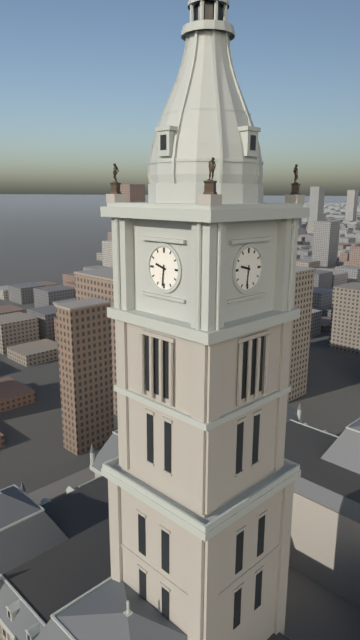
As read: h=9 m=31
